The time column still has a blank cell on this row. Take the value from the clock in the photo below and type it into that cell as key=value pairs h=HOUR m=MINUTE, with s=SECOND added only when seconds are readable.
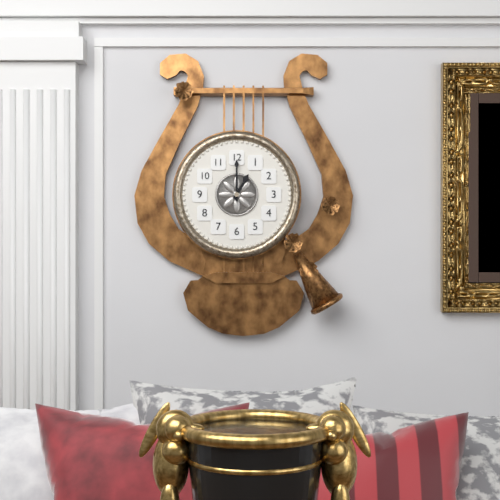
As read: h=1 m=0
